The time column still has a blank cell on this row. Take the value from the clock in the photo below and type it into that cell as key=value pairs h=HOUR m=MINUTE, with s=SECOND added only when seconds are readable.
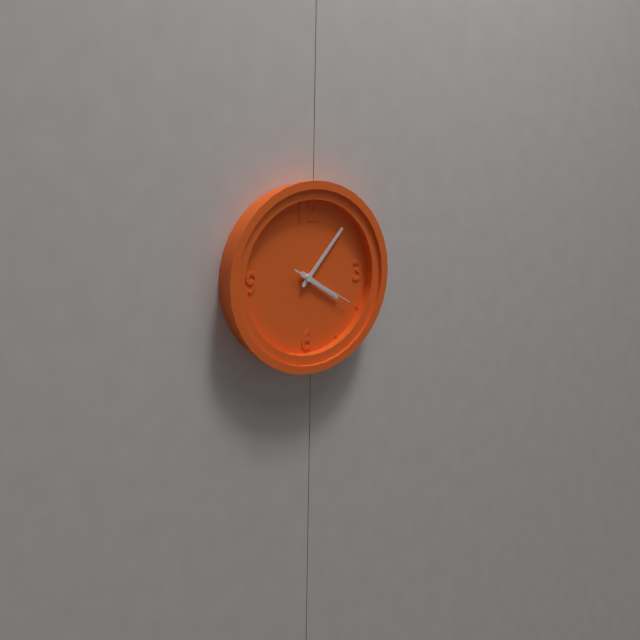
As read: h=4 m=7 s=20
